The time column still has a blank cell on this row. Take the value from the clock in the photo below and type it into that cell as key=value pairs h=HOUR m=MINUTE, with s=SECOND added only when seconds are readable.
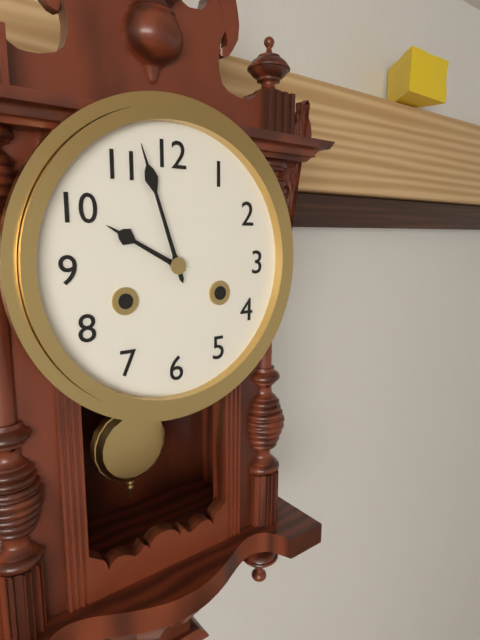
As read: h=9 m=57
